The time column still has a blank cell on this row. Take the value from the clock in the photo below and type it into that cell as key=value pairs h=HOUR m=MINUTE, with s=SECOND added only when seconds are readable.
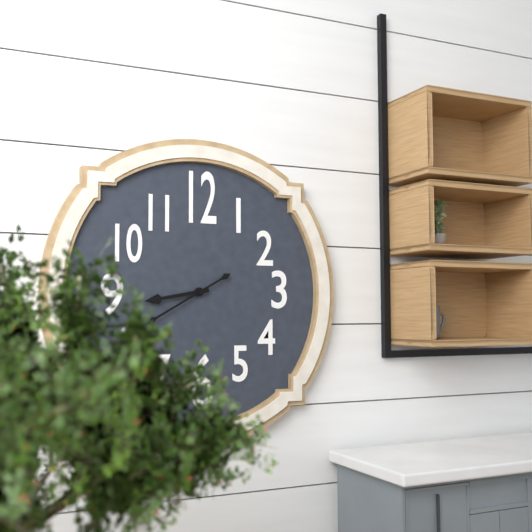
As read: h=8 m=40
